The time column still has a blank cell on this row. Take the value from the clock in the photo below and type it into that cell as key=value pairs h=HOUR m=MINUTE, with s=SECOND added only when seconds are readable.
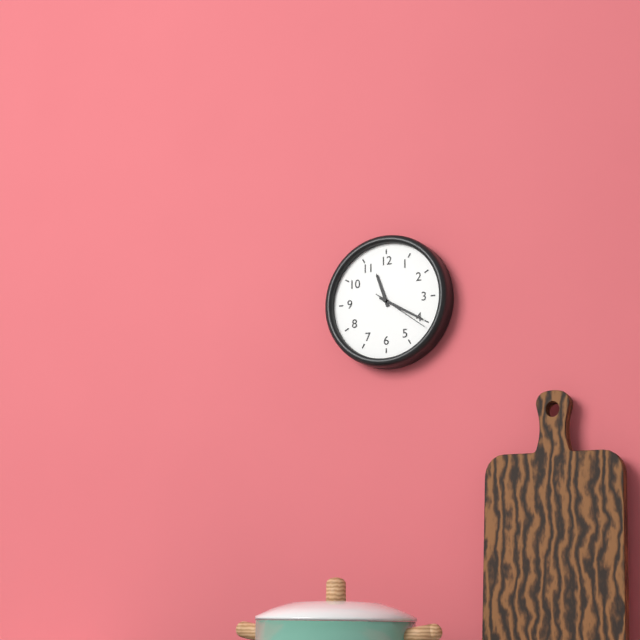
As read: h=11 m=20 s=21
